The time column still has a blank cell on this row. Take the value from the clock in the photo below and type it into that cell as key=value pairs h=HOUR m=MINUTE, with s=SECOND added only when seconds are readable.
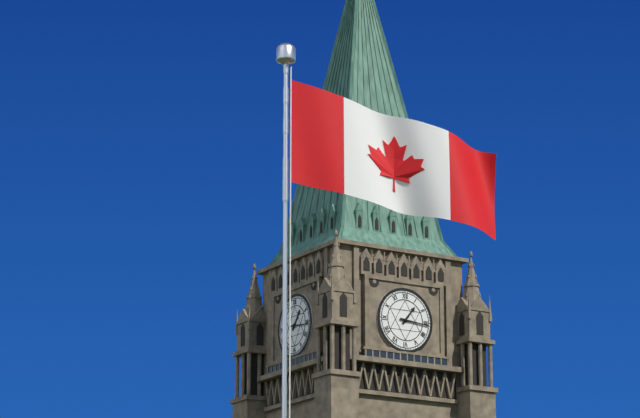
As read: h=1 m=16
